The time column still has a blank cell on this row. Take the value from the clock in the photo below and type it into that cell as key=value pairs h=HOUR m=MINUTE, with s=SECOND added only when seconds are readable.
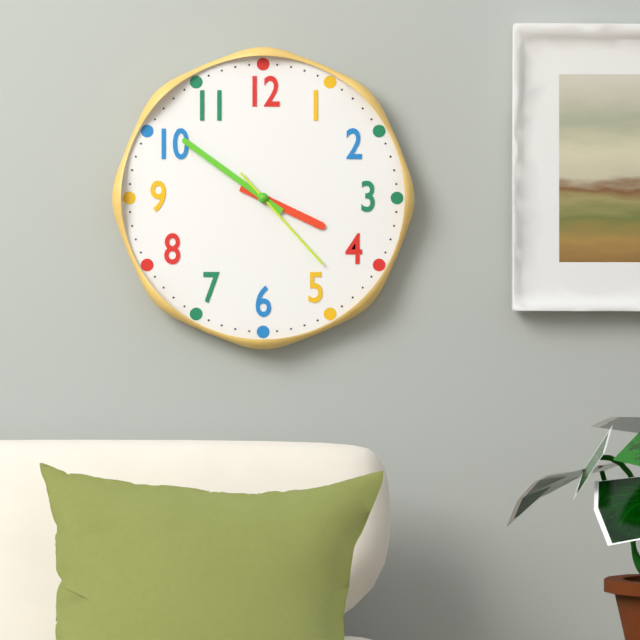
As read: h=3 m=51 s=23
